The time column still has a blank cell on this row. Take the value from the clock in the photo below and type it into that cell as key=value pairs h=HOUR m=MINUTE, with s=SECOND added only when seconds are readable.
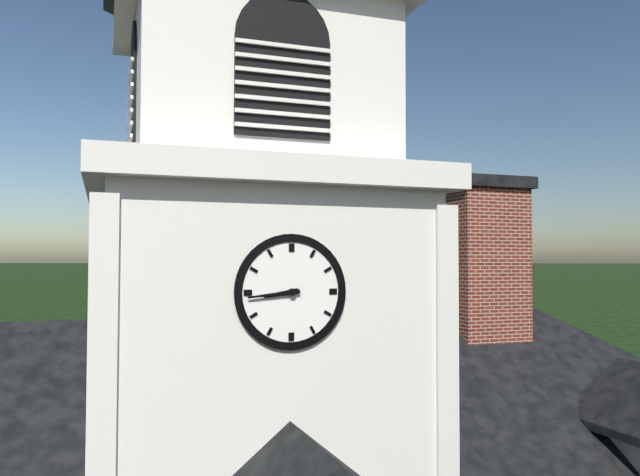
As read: h=8 m=44
